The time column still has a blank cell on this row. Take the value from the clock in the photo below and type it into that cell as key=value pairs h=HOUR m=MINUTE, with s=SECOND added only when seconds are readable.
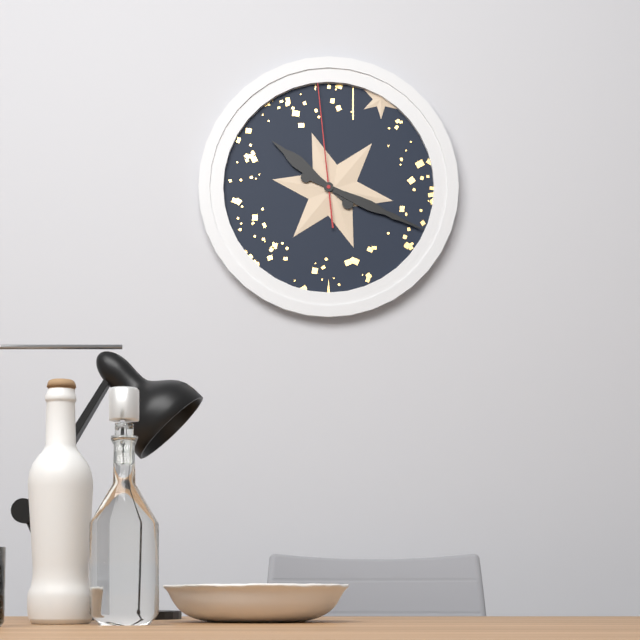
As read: h=10 m=19 s=59
